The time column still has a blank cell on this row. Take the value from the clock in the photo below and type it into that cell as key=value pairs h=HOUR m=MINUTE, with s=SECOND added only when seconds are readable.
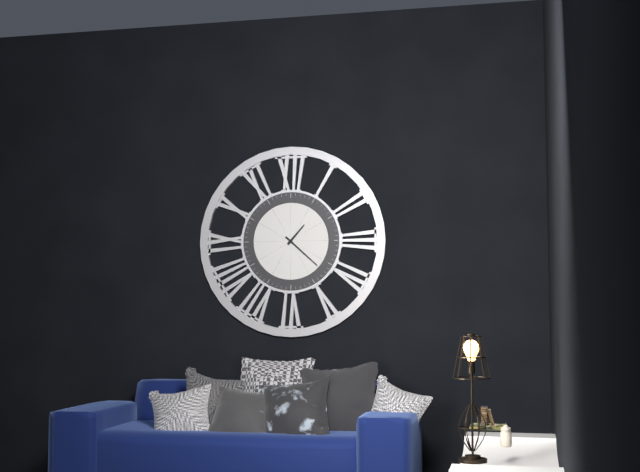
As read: h=1 m=22
